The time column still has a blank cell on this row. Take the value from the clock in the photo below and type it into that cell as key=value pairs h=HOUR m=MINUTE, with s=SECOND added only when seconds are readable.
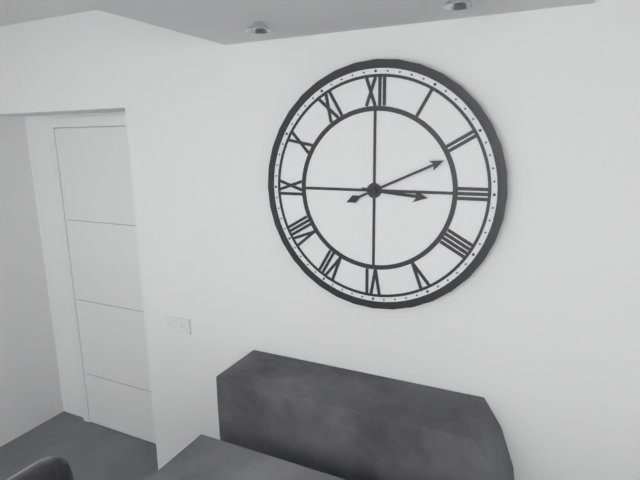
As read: h=3 m=11
